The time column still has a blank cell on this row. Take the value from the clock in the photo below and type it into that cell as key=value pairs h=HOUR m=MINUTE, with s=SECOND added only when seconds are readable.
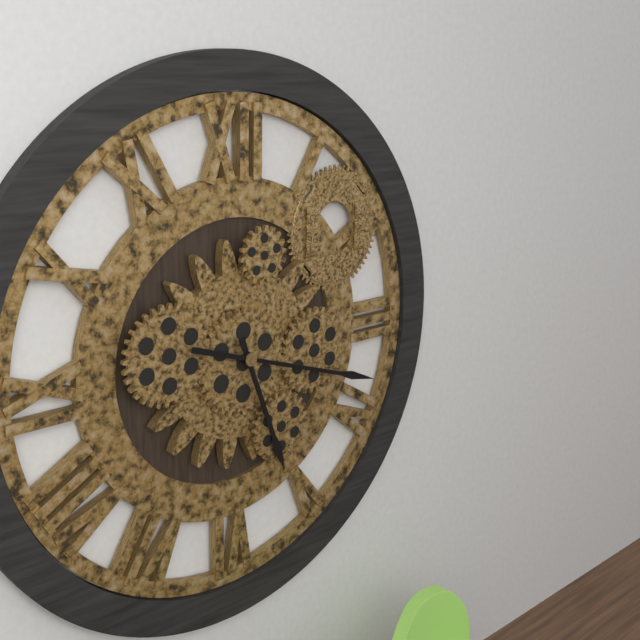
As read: h=5 m=18
